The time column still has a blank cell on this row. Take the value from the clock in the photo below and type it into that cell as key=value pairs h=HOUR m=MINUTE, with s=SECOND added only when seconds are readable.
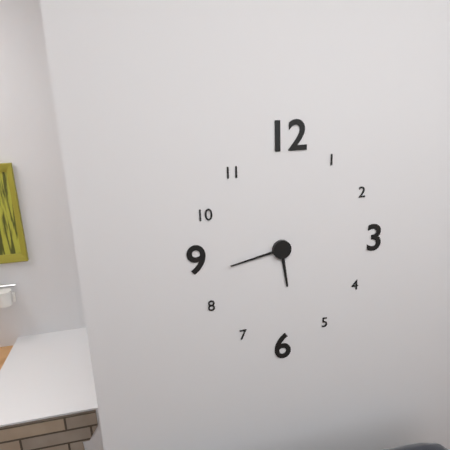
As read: h=5 m=43
